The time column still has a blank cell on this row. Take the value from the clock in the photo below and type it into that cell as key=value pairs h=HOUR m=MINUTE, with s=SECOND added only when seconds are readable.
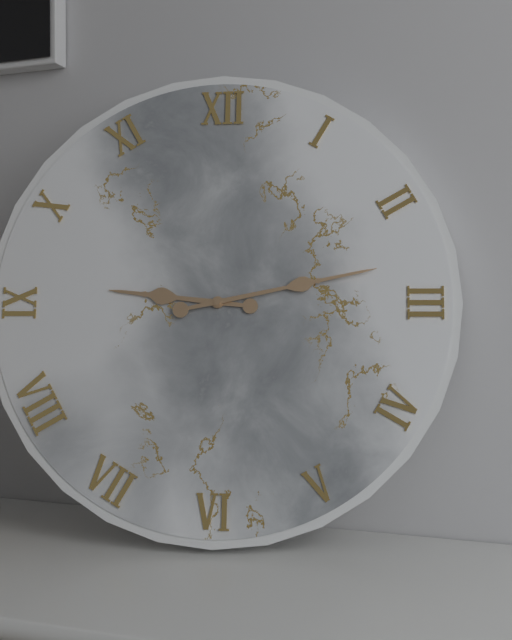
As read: h=9 m=13
